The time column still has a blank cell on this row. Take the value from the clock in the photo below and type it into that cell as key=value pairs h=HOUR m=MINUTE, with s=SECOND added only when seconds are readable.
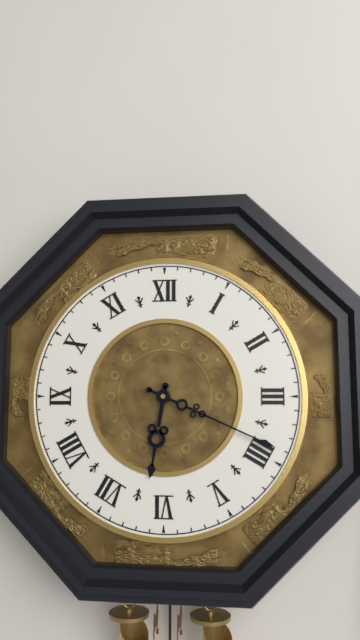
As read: h=6 m=19
